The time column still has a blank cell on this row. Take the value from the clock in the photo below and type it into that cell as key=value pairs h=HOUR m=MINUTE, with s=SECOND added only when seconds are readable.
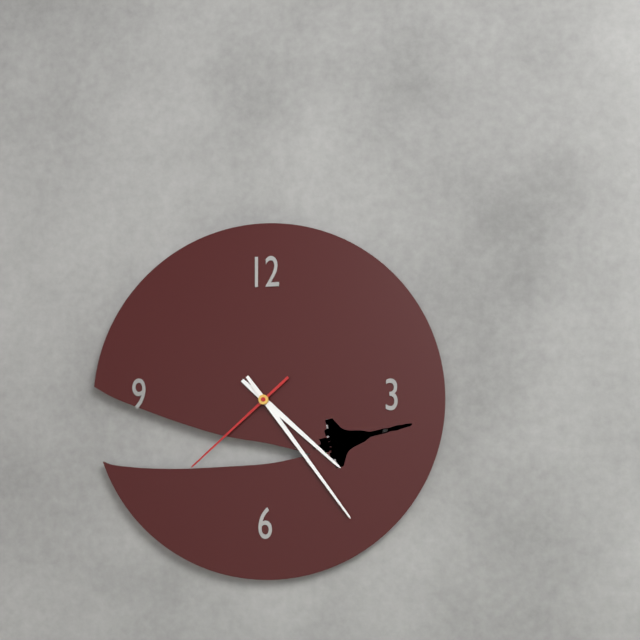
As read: h=4 m=24 s=38
